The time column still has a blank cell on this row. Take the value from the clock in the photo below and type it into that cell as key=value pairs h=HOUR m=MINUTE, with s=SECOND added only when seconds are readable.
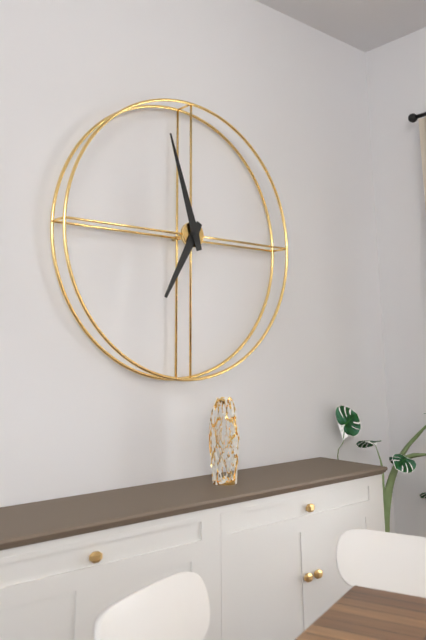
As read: h=6 m=57
